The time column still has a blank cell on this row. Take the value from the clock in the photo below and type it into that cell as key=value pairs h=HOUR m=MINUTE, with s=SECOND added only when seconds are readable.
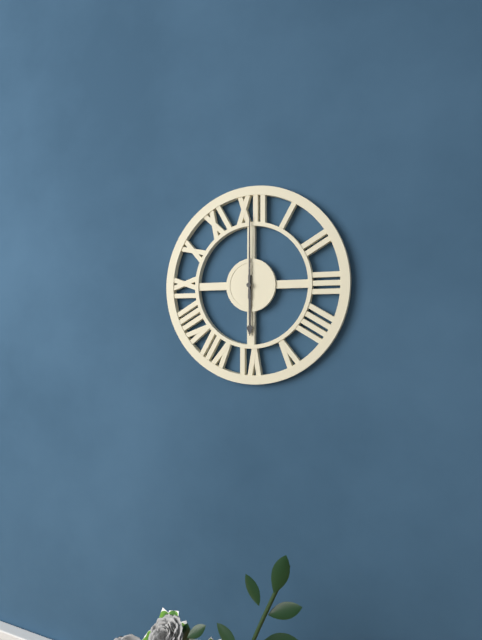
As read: h=6 m=0
